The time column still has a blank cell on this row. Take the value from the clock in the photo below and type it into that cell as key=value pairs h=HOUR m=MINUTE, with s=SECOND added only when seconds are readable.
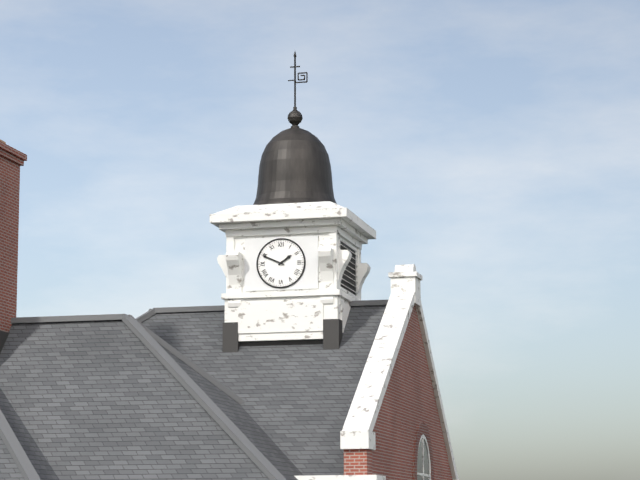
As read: h=1 m=49
